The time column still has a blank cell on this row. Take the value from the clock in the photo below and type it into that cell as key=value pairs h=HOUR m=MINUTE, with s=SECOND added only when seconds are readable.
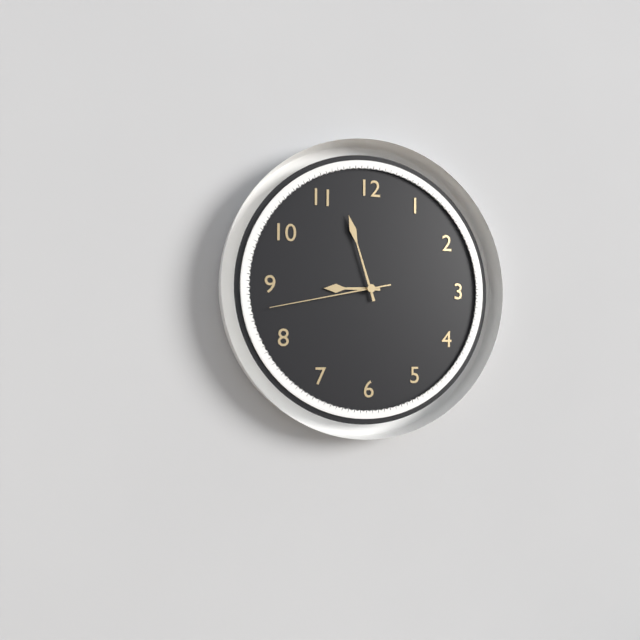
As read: h=8 m=57 s=43
